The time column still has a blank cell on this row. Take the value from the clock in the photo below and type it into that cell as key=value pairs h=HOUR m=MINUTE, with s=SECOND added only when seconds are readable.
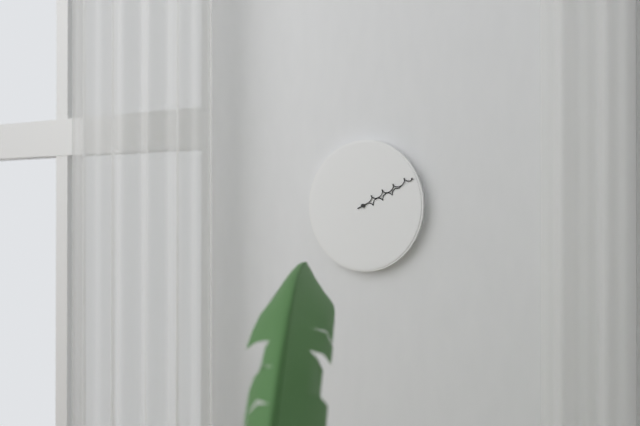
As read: h=2 m=11
